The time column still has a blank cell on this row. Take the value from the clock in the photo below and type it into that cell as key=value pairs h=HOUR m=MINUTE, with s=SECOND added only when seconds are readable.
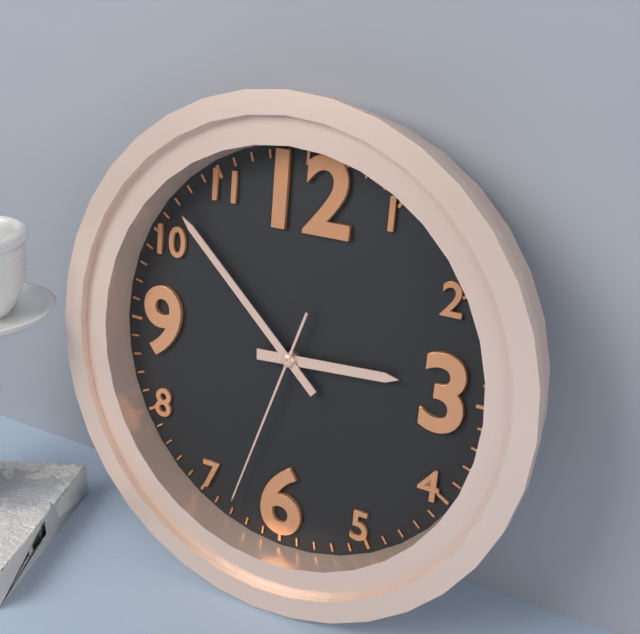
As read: h=2 m=52 s=33
